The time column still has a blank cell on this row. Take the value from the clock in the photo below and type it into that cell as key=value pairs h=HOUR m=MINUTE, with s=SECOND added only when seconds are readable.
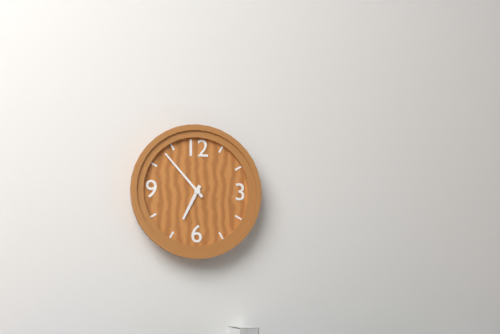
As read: h=6 m=53
